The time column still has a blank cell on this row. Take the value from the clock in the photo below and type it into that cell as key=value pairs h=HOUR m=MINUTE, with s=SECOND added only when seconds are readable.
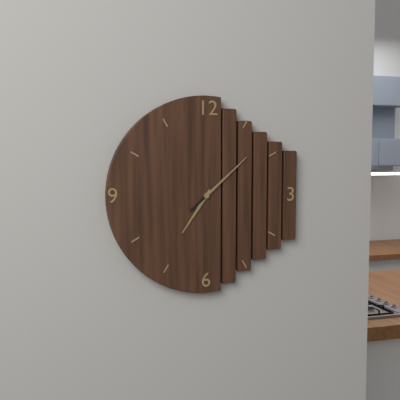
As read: h=7 m=8
